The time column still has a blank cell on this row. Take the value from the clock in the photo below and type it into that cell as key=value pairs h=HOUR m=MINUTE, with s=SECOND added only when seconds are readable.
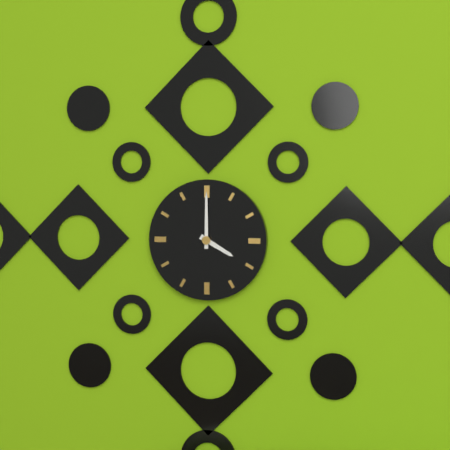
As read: h=4 m=0
